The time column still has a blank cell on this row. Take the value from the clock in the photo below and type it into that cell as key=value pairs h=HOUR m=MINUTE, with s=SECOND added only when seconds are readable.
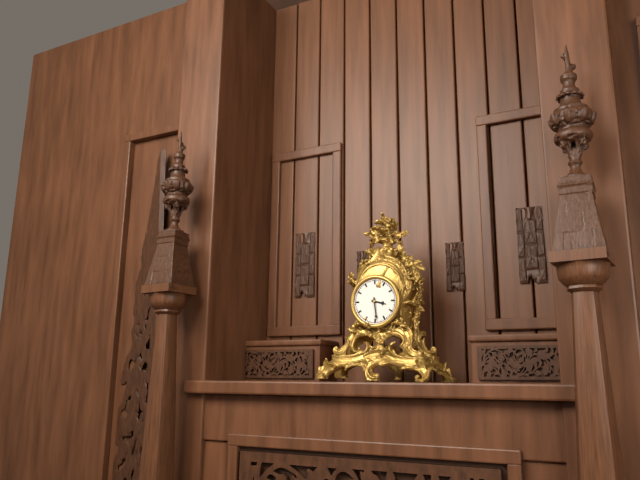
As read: h=3 m=29
